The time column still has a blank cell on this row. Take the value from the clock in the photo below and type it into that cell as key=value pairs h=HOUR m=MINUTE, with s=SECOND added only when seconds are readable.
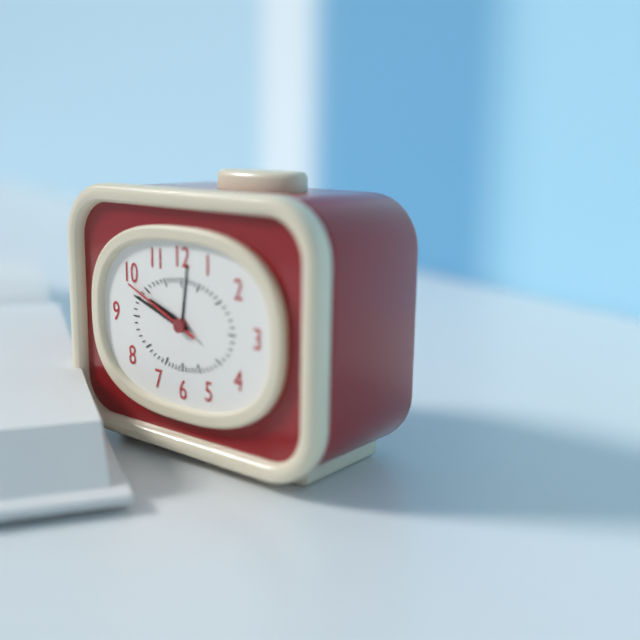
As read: h=9 m=48 s=49
